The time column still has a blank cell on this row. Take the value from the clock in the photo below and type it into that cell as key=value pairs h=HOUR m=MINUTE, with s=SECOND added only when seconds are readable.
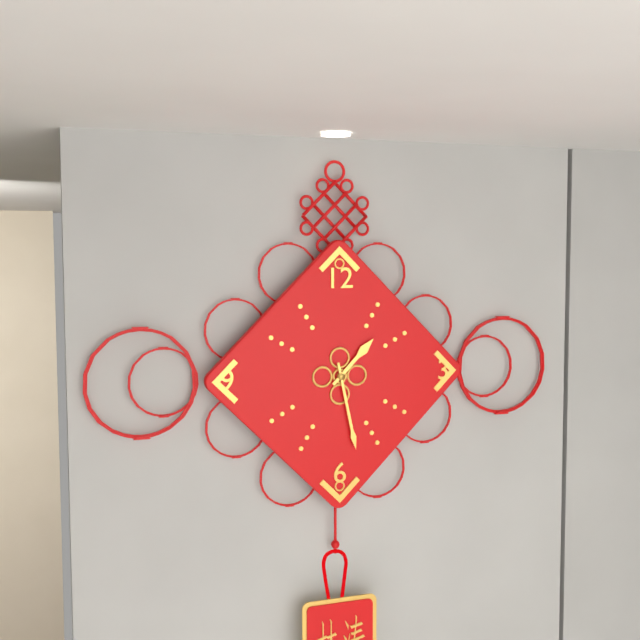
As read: h=1 m=28
